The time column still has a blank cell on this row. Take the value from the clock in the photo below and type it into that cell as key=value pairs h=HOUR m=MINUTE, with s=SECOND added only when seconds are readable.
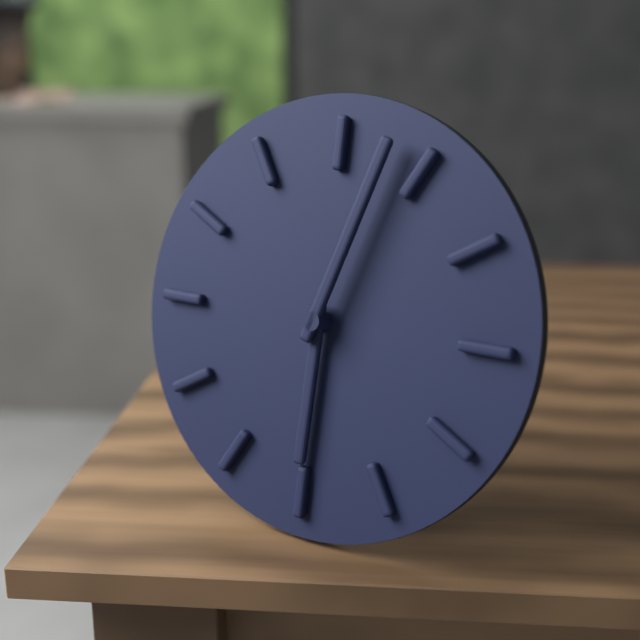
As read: h=6 m=3
